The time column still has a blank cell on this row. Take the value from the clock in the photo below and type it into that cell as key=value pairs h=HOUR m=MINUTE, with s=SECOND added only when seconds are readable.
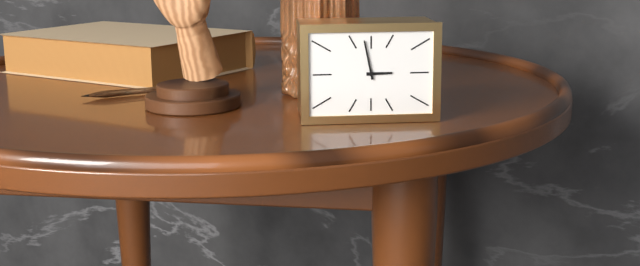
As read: h=2 m=58
